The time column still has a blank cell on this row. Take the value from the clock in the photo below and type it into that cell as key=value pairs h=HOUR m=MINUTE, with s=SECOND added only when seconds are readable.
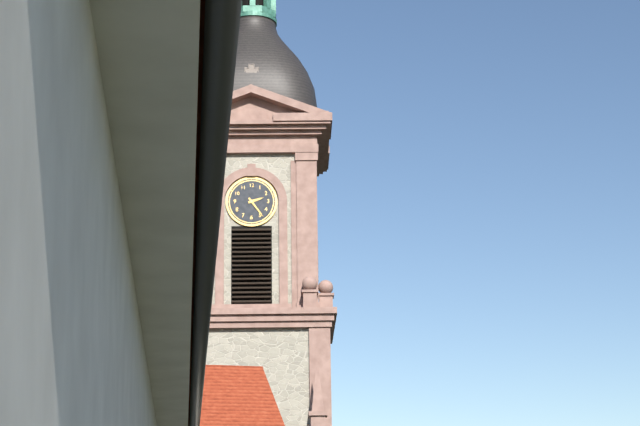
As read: h=2 m=24
